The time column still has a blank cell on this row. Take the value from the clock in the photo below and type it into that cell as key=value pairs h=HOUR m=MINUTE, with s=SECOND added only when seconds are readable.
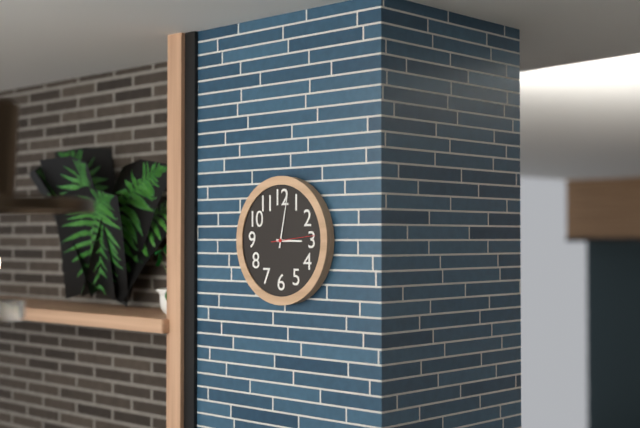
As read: h=3 m=2
